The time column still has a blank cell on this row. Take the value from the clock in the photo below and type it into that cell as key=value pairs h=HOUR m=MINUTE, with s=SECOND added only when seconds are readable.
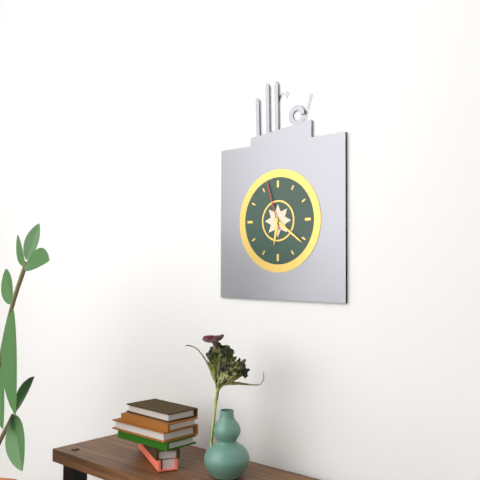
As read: h=6 m=21
